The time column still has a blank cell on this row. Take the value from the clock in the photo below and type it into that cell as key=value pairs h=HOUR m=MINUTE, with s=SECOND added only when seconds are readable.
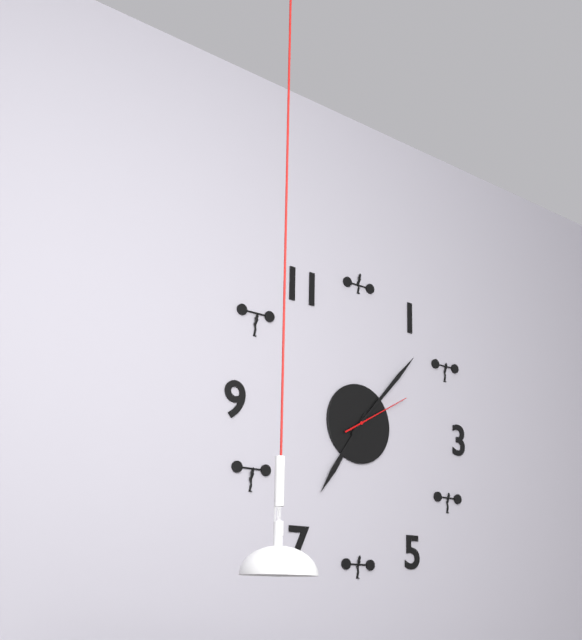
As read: h=7 m=7 s=10
